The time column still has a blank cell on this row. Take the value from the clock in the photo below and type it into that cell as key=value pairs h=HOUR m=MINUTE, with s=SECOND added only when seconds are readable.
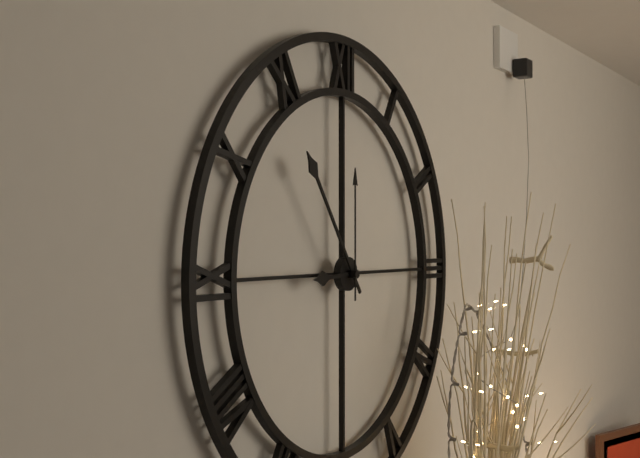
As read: h=8 m=54 s=0
